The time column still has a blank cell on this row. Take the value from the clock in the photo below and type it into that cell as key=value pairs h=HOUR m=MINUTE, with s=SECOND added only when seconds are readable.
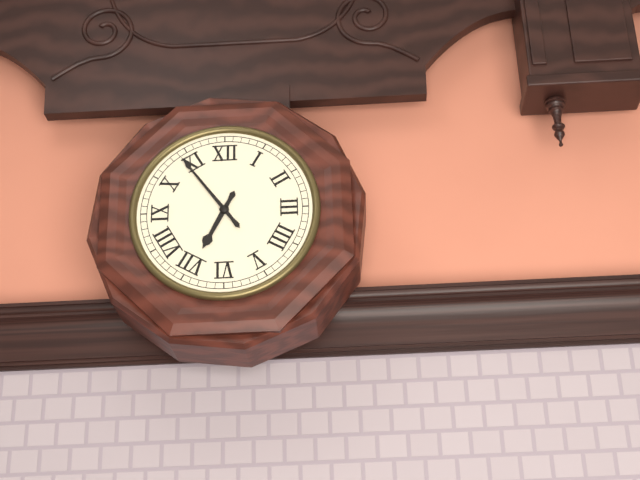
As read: h=6 m=54
